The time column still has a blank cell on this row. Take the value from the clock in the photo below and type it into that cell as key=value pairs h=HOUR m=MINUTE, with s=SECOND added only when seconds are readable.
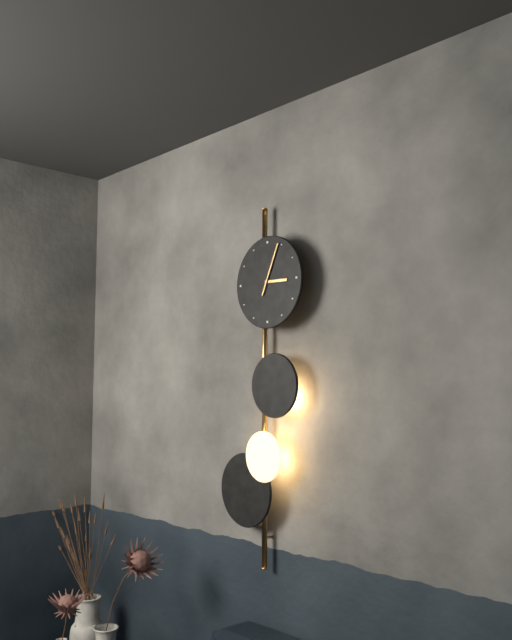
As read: h=3 m=4
